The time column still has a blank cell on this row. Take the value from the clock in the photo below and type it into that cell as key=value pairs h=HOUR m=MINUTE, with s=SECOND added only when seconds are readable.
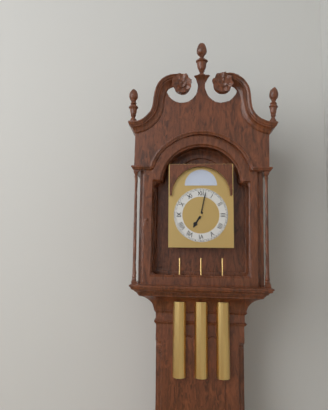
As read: h=7 m=2
